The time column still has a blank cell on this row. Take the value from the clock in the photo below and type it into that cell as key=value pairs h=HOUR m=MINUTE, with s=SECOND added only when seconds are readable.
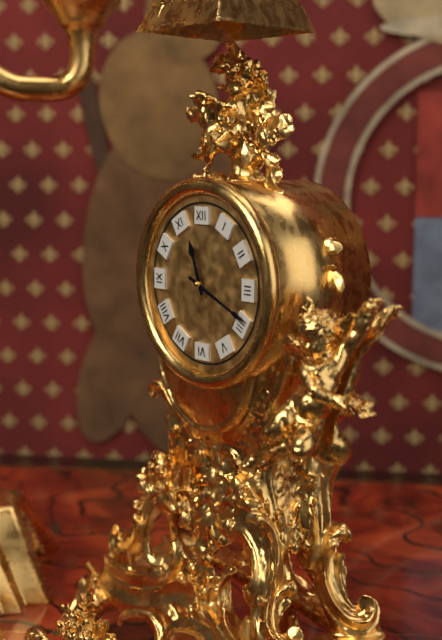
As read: h=11 m=19
